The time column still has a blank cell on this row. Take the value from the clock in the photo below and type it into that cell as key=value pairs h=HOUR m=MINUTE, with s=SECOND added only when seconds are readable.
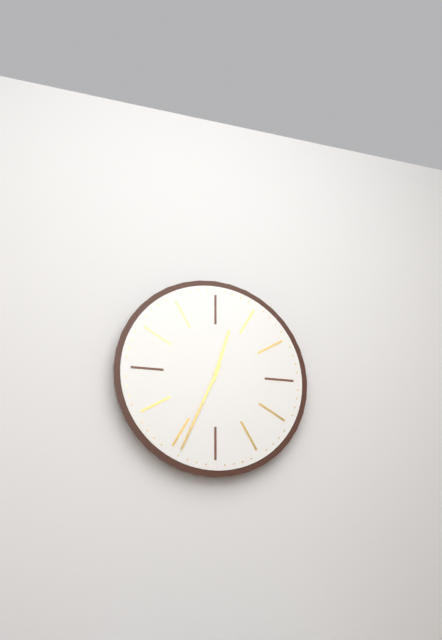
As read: h=12 m=34
